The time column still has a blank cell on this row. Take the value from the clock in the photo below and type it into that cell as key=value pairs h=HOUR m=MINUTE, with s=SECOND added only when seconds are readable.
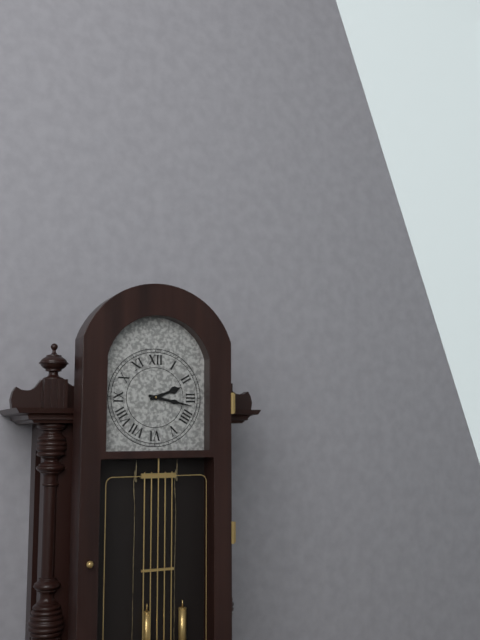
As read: h=2 m=17
